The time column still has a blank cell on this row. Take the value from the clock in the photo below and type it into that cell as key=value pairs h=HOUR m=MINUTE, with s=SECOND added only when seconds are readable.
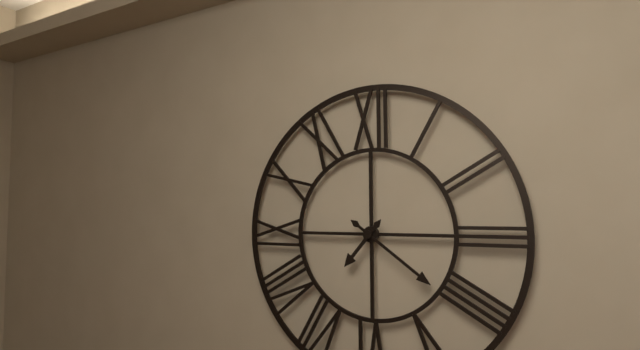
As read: h=7 m=21
